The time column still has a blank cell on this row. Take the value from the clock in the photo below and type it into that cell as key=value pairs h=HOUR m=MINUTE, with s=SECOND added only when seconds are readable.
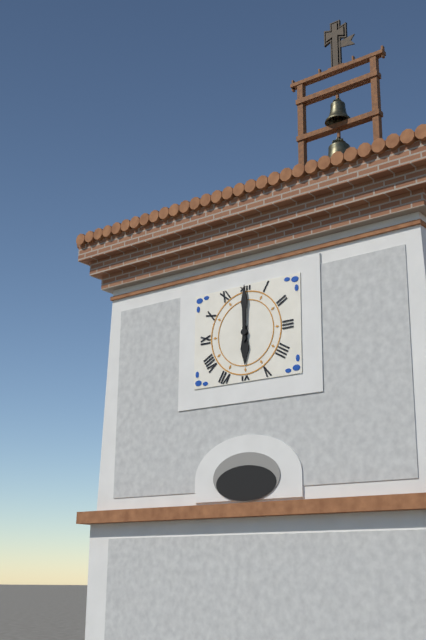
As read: h=6 m=0
